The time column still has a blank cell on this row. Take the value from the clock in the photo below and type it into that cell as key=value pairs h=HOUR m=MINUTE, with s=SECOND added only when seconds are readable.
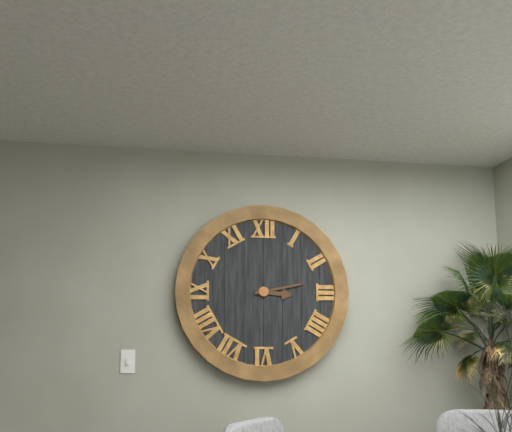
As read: h=3 m=13
